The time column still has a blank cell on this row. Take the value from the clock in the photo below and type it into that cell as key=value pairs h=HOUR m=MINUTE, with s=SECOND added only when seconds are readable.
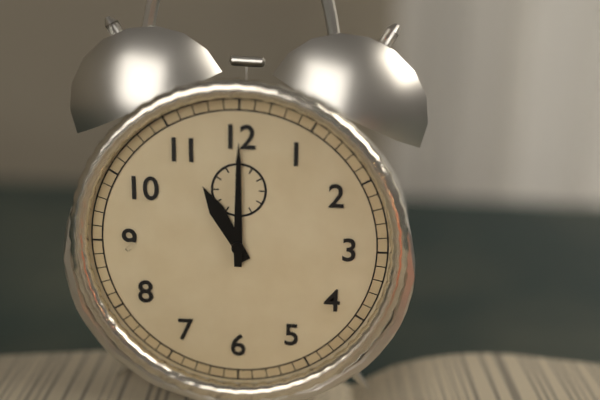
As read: h=11 m=0
